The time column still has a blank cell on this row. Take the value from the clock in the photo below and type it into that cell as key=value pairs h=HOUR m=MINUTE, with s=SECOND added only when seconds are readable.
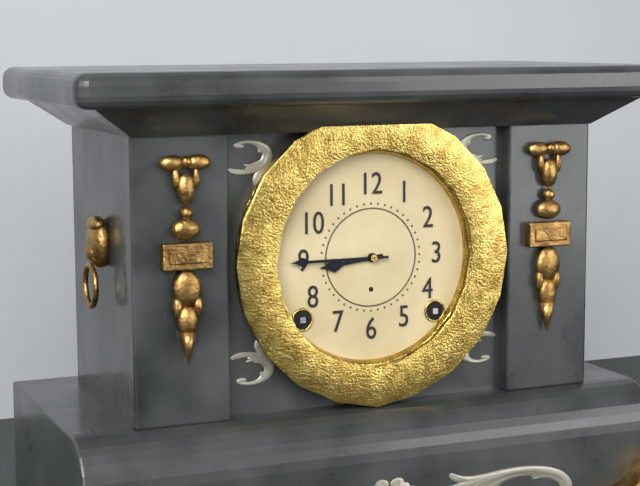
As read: h=8 m=45
